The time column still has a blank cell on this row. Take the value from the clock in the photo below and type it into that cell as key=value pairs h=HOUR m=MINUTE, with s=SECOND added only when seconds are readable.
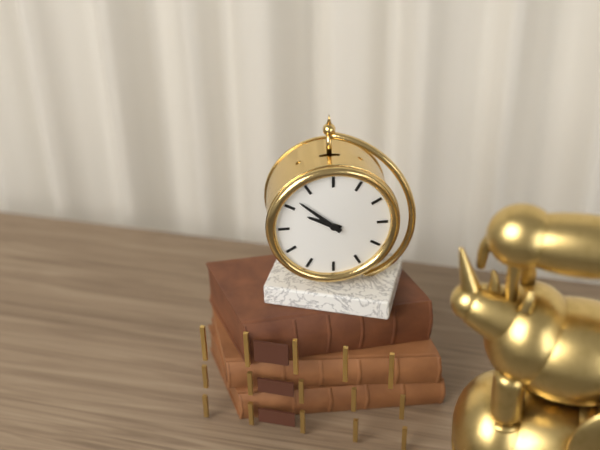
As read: h=9 m=52
